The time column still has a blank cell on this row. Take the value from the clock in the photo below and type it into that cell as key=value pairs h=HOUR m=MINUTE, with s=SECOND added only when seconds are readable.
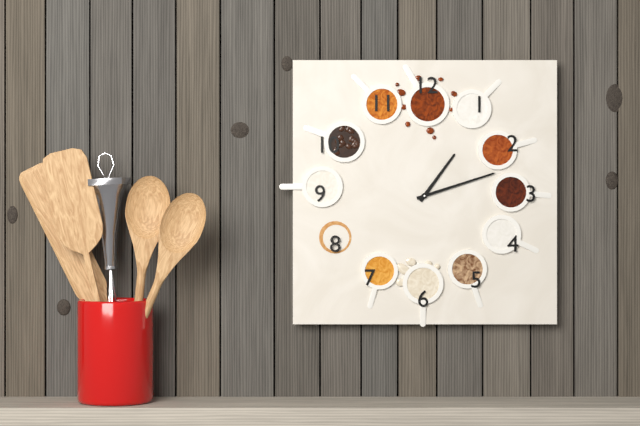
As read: h=1 m=12
